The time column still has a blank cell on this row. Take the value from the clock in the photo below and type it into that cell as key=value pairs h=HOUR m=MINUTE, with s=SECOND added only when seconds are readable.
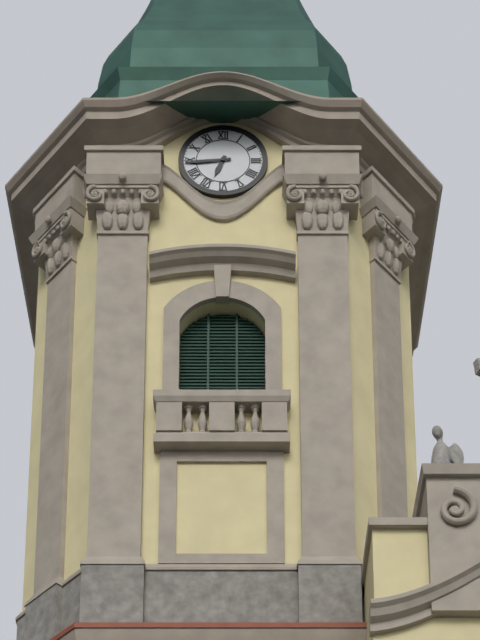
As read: h=6 m=44
